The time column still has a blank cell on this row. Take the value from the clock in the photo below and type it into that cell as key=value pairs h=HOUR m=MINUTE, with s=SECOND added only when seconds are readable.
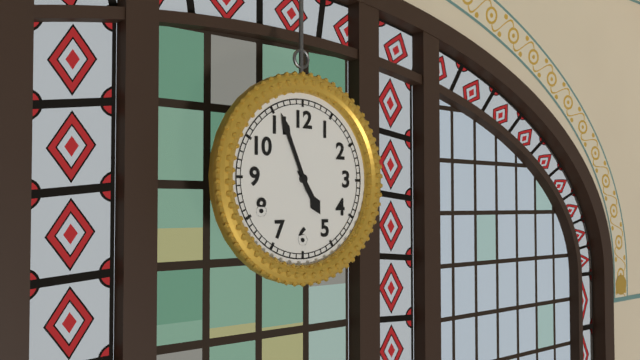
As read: h=4 m=56
